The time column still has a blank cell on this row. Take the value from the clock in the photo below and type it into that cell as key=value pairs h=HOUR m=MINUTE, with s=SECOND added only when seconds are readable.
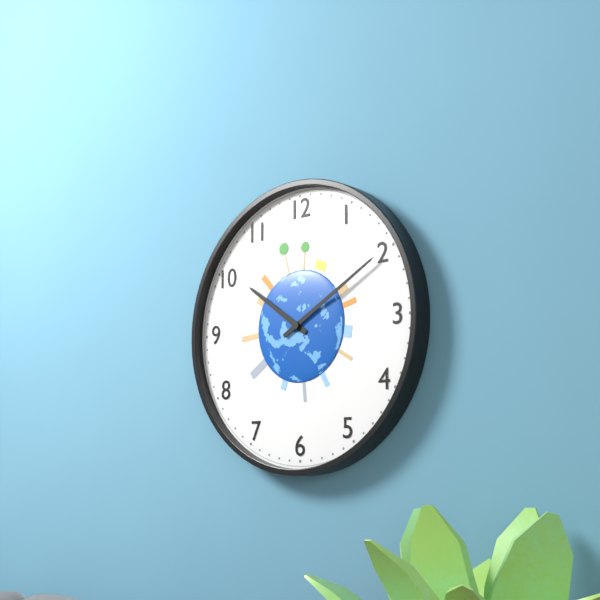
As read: h=10 m=10
